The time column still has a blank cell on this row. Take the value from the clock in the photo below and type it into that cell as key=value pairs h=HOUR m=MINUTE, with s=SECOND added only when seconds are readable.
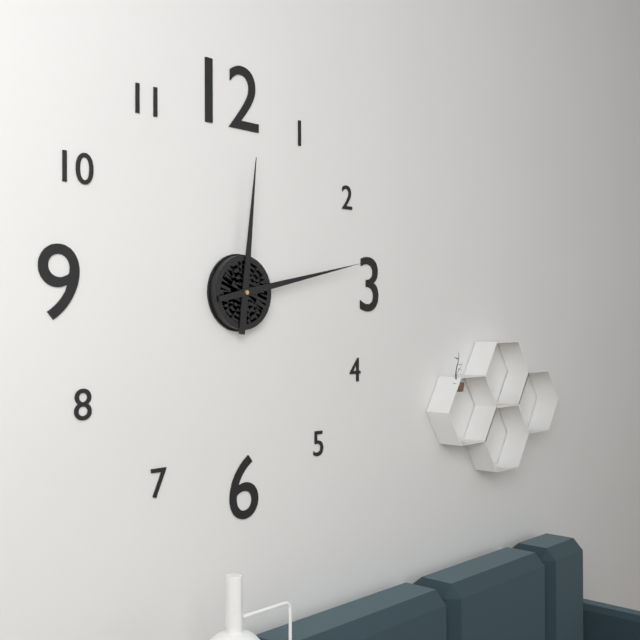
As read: h=12 m=13
